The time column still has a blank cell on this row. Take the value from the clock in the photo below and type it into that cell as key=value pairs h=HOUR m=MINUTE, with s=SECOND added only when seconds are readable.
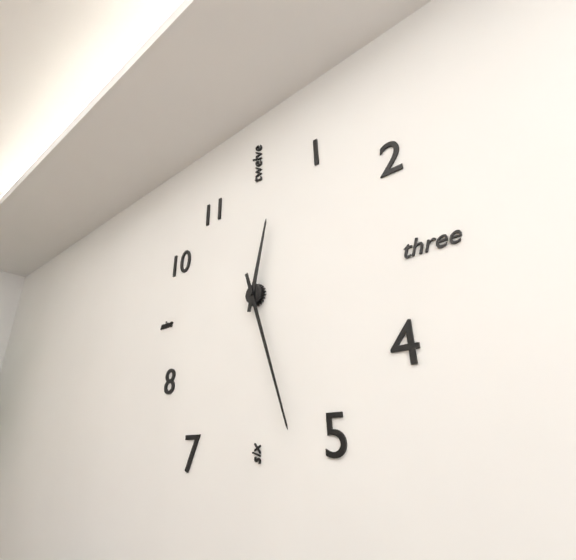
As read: h=12 m=27
